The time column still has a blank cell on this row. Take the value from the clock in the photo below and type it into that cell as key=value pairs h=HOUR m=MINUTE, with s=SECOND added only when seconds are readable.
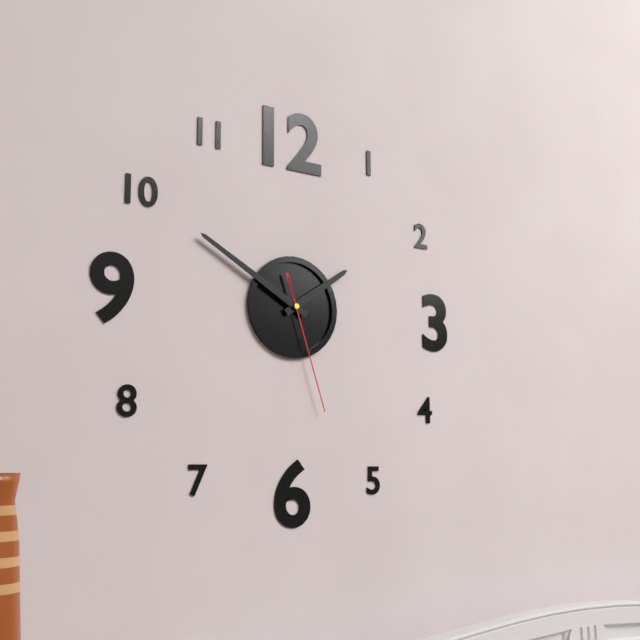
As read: h=1 m=50 s=27
